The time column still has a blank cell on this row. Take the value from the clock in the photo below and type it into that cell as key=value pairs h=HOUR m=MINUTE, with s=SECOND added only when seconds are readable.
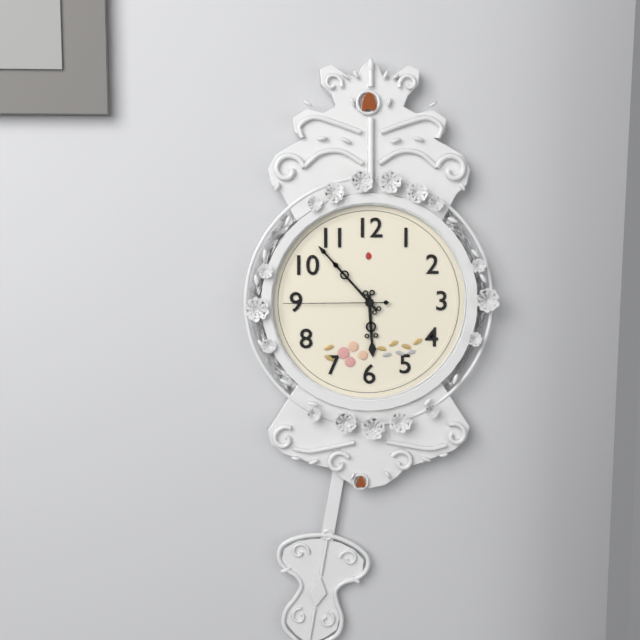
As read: h=5 m=53 s=45
